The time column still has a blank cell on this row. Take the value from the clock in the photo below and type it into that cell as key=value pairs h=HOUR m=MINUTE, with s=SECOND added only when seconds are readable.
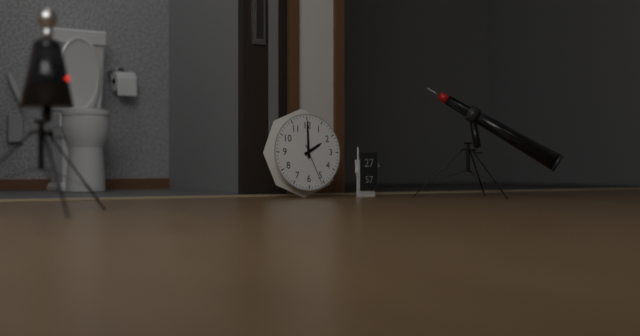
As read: h=2 m=0
